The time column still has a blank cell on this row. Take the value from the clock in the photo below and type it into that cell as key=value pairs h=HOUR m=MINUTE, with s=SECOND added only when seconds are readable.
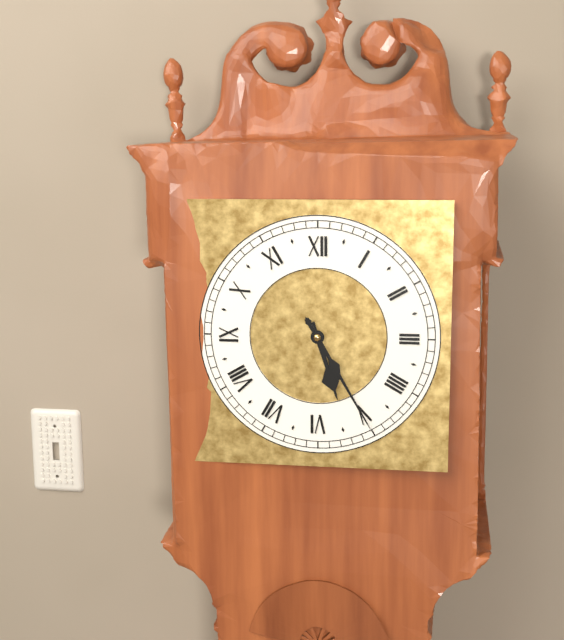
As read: h=5 m=25
